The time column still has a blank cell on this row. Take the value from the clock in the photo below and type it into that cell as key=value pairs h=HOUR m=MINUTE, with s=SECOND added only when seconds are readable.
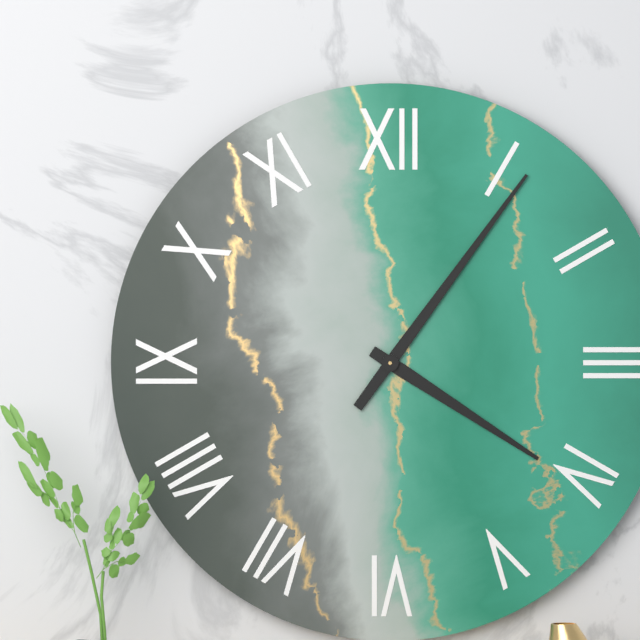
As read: h=4 m=6
